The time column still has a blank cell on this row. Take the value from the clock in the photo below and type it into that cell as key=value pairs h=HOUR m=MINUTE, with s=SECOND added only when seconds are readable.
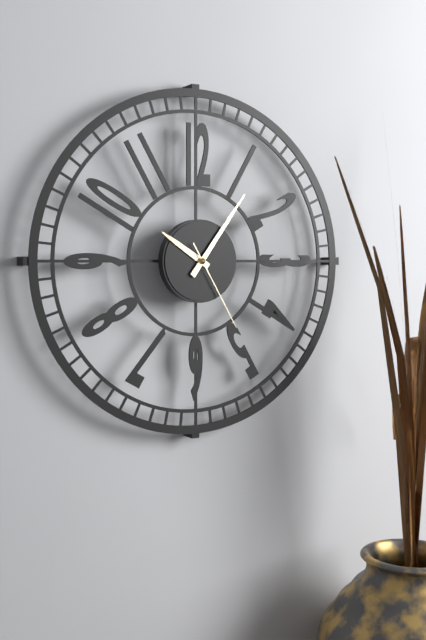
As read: h=10 m=6 s=25
